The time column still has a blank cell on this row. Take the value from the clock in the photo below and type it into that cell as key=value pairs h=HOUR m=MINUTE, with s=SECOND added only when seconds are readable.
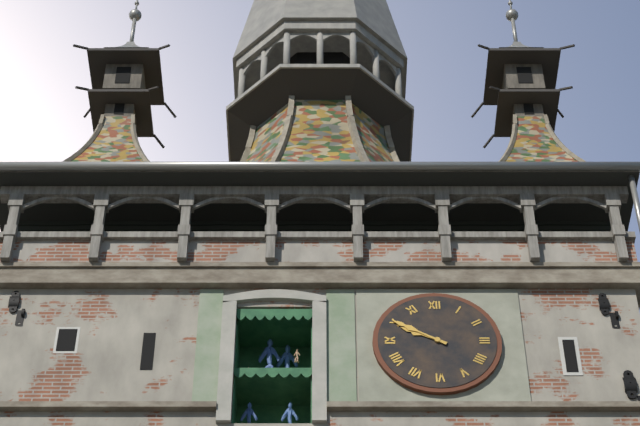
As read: h=9 m=50
